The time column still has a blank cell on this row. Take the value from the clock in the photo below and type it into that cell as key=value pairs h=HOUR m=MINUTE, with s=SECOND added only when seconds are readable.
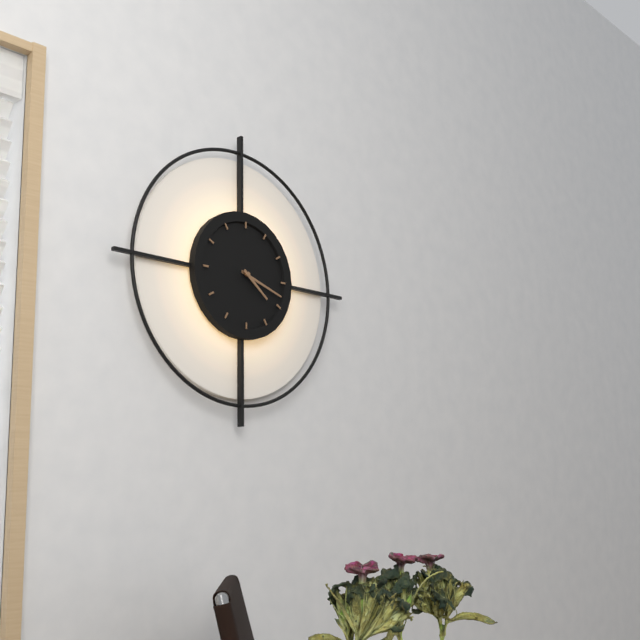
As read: h=4 m=18
